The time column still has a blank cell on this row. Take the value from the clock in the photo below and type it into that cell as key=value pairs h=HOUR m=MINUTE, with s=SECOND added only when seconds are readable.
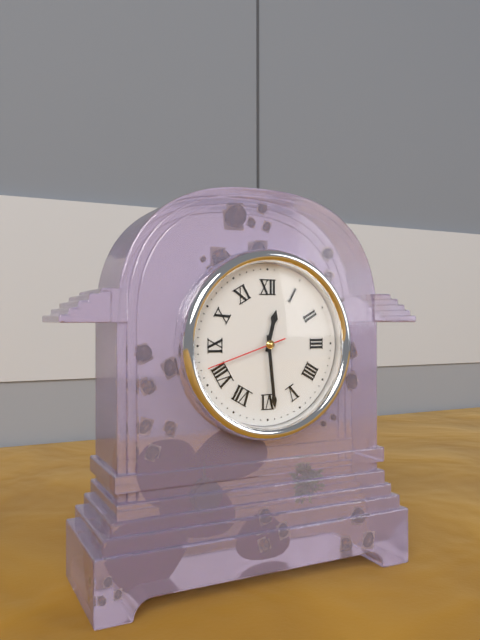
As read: h=12 m=29 s=42
